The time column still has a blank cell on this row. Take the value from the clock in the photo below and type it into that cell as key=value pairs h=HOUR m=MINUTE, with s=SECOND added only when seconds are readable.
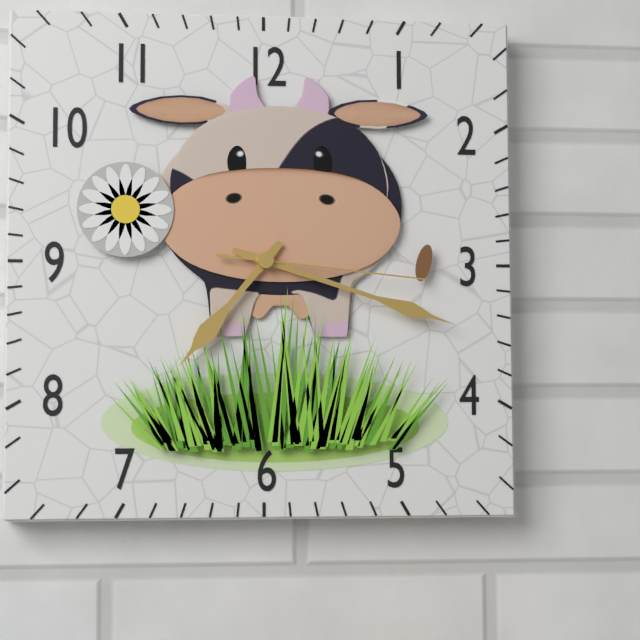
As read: h=7 m=18 s=16
